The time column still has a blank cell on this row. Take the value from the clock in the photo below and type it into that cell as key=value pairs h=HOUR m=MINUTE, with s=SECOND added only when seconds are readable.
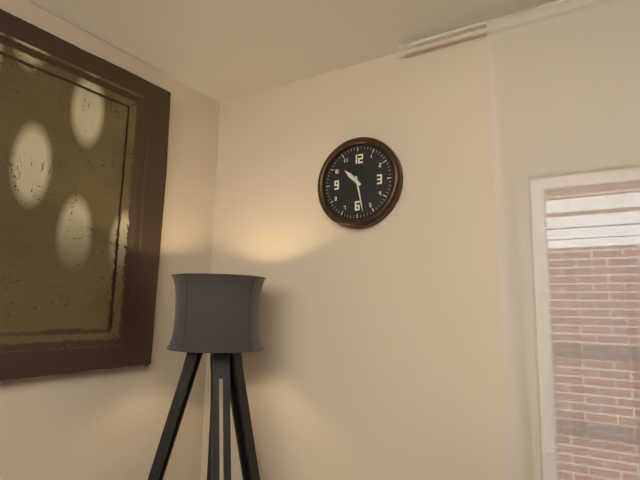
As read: h=10 m=28
